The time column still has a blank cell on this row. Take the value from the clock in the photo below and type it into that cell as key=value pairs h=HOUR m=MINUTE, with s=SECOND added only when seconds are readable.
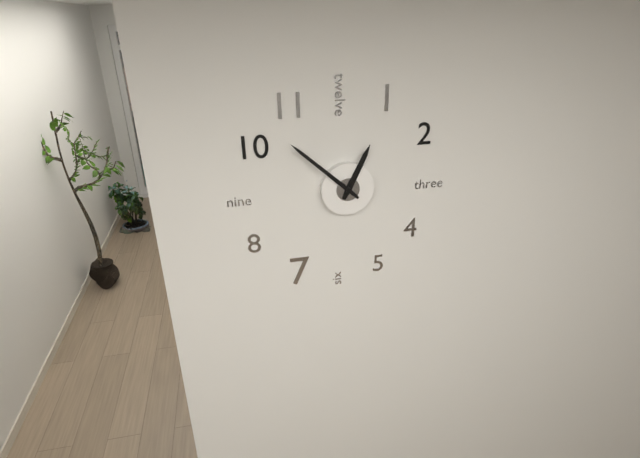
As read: h=12 m=52
